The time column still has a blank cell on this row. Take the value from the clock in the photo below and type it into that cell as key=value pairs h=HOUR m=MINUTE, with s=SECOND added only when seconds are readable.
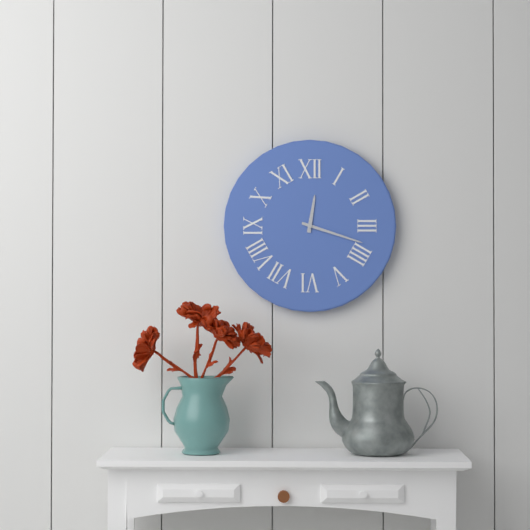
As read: h=12 m=18
